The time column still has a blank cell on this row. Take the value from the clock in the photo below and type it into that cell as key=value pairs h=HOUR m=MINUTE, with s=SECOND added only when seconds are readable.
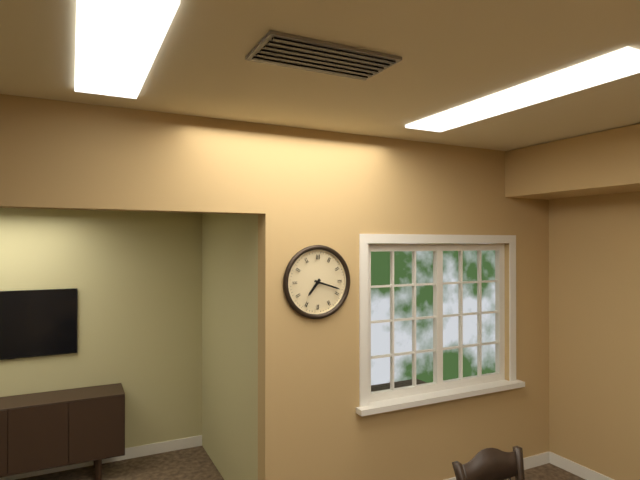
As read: h=7 m=18
